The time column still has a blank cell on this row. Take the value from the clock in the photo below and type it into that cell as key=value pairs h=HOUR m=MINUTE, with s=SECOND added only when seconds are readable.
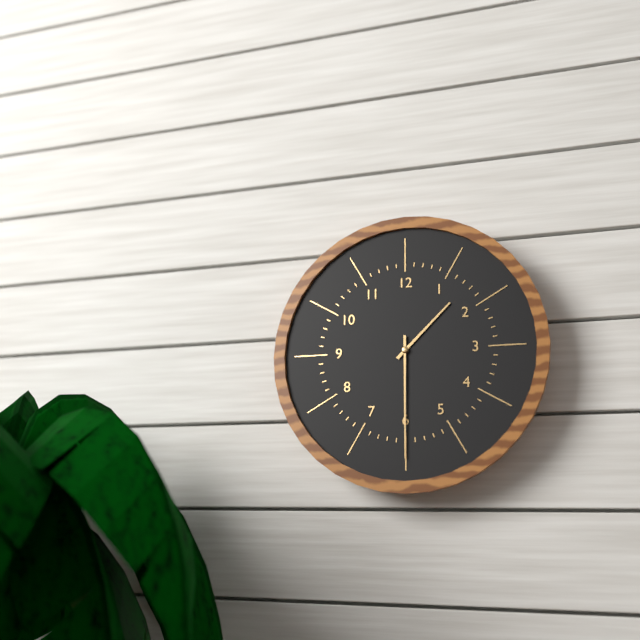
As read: h=1 m=30
